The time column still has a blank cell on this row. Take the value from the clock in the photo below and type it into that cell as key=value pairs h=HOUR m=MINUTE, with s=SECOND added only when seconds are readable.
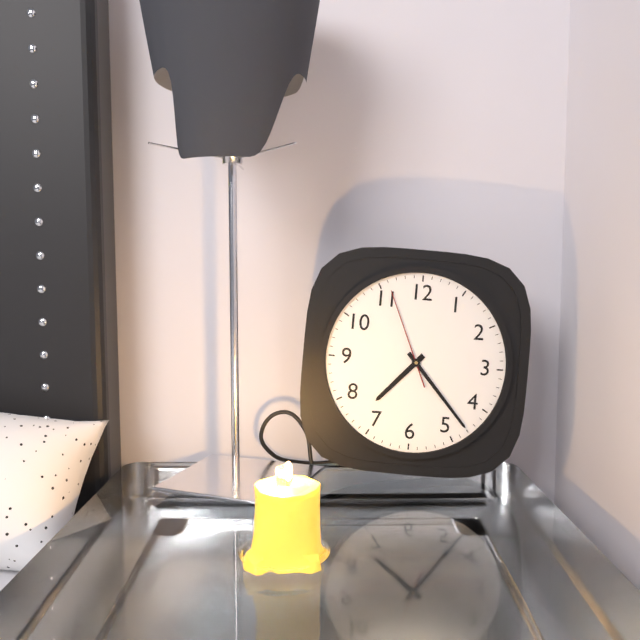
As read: h=7 m=23 s=56
